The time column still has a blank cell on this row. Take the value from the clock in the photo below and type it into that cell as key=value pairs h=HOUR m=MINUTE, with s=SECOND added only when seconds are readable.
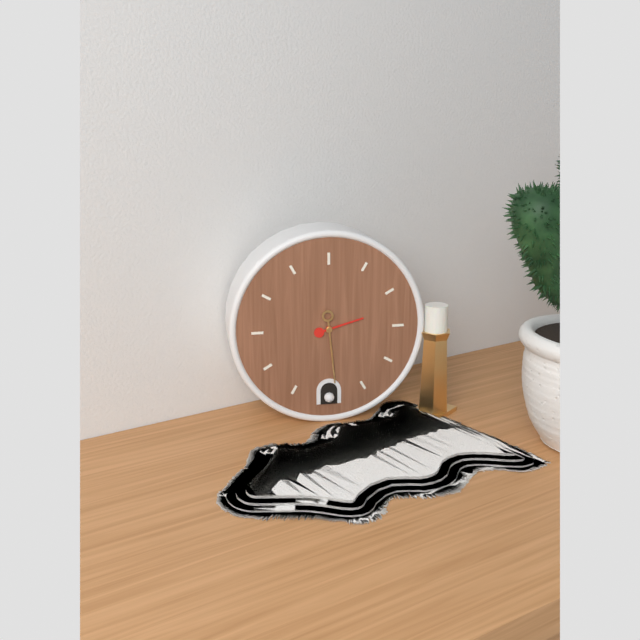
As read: h=2 m=29
